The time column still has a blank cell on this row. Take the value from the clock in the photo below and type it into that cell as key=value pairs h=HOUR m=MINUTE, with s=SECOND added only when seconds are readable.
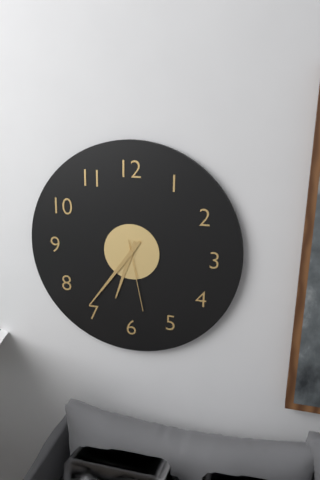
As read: h=6 m=36 s=28
